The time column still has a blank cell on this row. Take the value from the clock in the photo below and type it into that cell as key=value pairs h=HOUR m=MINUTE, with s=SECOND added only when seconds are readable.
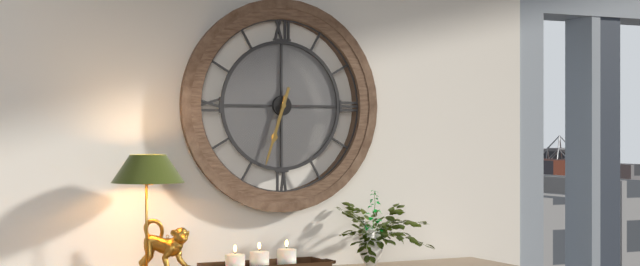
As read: h=6 m=33
